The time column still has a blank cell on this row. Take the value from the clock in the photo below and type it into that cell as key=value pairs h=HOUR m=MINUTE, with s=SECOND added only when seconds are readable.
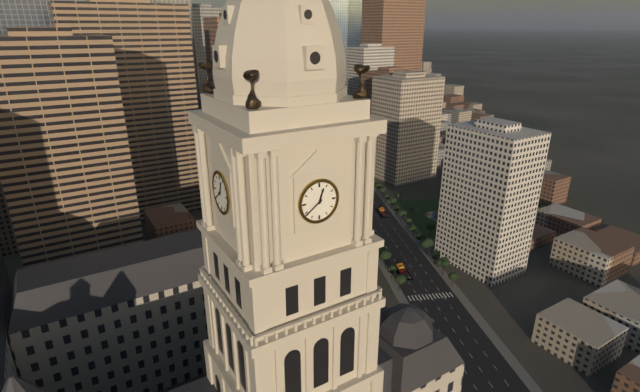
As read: h=12 m=39
